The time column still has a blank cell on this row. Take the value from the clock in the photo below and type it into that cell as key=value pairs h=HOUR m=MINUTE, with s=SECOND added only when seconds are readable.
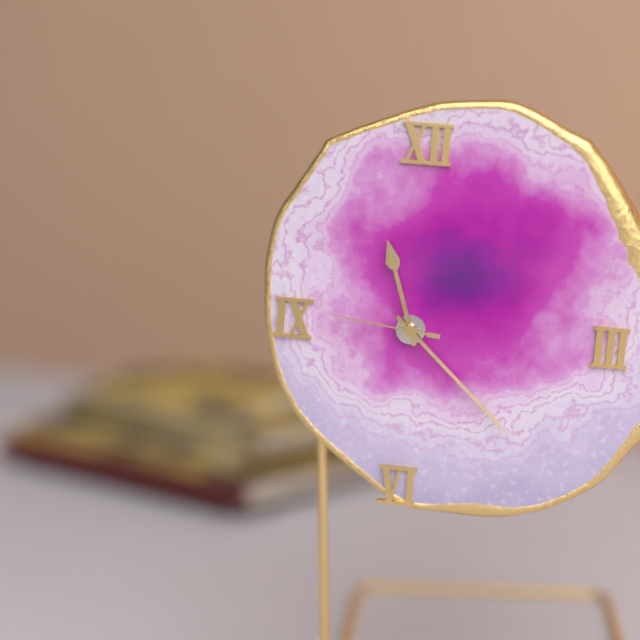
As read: h=11 m=22 s=46
